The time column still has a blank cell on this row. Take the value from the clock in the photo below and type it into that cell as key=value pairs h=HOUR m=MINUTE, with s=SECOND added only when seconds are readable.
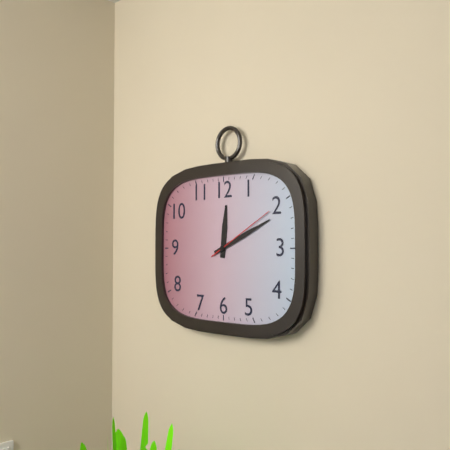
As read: h=12 m=11 s=10
